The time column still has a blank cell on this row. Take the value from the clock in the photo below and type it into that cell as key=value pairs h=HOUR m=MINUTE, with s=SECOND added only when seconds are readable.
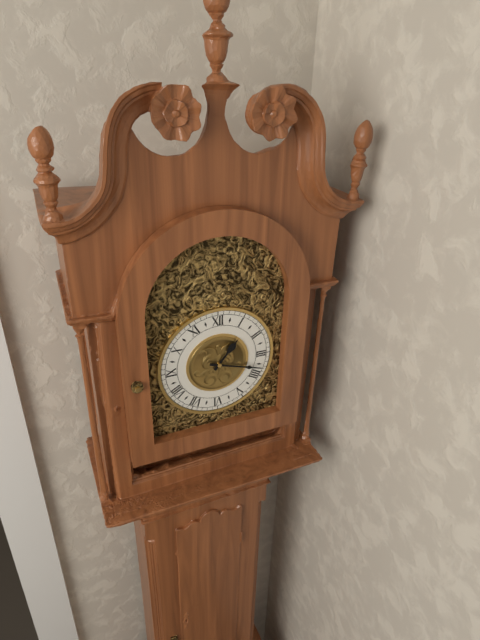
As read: h=1 m=18
